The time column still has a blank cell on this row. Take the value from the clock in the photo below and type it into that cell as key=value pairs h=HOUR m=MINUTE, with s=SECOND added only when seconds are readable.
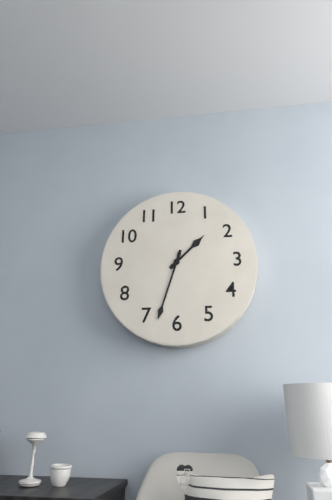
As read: h=1 m=33
